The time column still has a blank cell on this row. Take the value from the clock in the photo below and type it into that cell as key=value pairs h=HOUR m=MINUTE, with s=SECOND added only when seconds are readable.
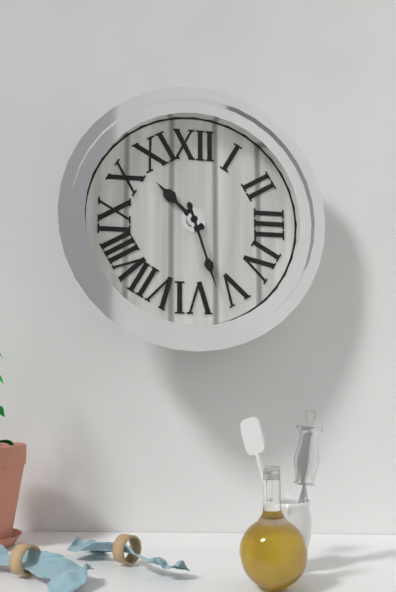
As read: h=10 m=27
